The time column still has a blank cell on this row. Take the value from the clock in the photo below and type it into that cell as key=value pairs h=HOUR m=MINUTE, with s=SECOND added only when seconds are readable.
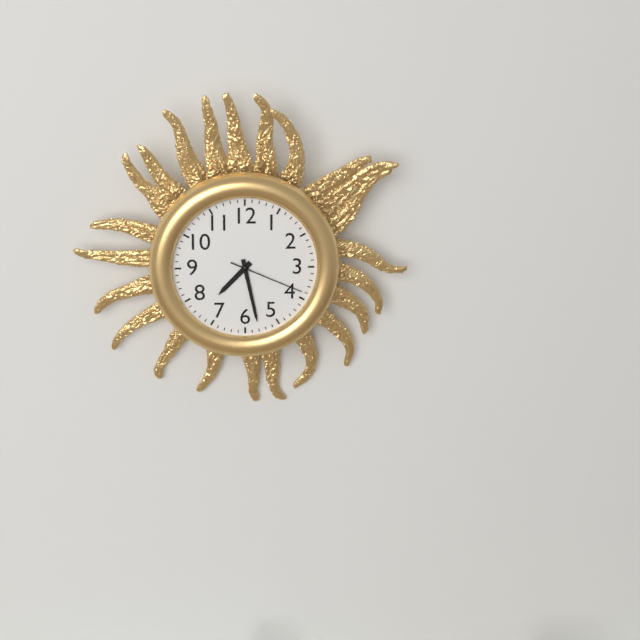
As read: h=7 m=28 s=19
